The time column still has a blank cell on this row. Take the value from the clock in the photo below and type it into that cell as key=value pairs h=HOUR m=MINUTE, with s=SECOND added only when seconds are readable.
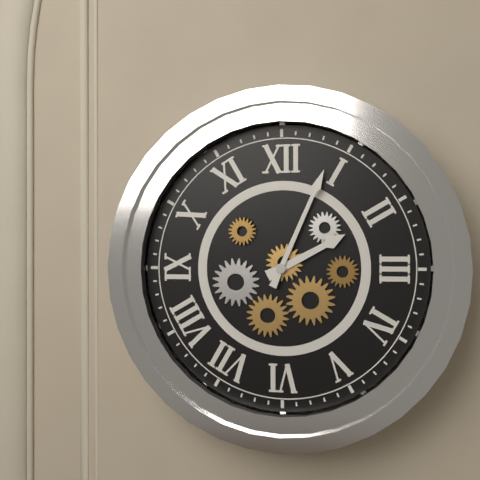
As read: h=2 m=4
